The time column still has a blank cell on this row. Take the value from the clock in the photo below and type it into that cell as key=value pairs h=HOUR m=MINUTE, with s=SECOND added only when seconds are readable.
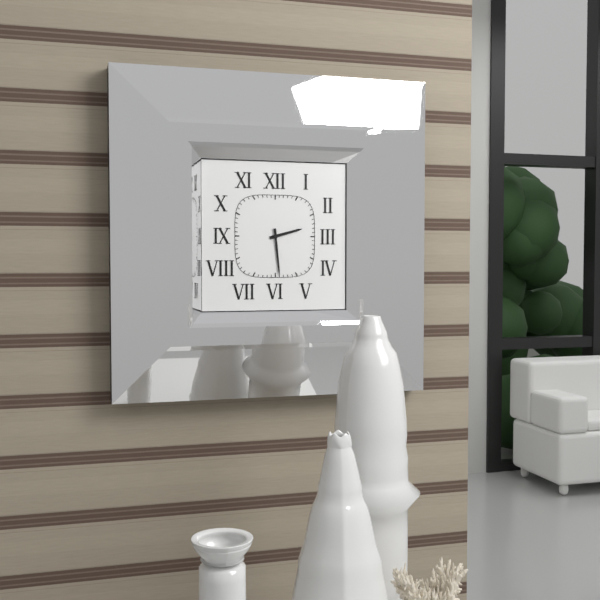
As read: h=2 m=29
